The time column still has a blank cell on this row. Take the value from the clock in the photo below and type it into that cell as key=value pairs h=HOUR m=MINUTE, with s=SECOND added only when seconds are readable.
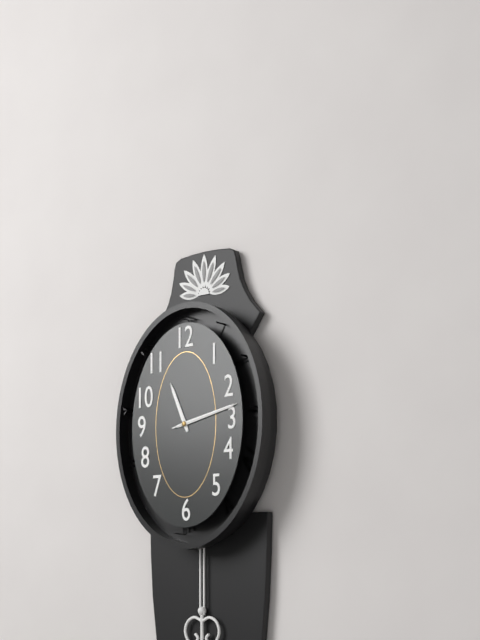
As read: h=11 m=13 s=13
